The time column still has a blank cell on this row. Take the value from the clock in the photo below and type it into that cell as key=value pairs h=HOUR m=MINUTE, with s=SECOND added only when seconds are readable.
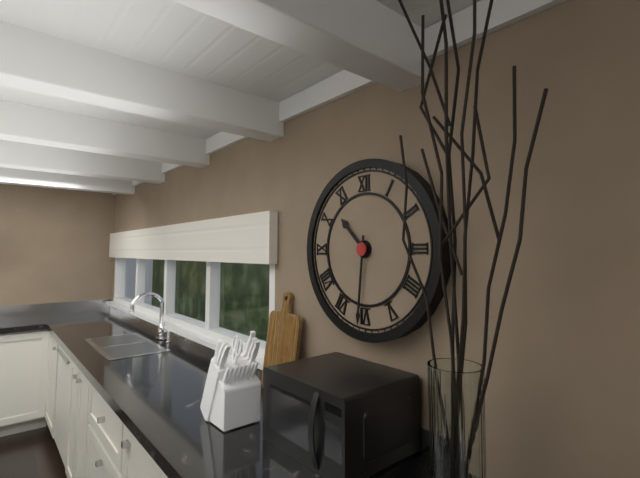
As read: h=10 m=31
